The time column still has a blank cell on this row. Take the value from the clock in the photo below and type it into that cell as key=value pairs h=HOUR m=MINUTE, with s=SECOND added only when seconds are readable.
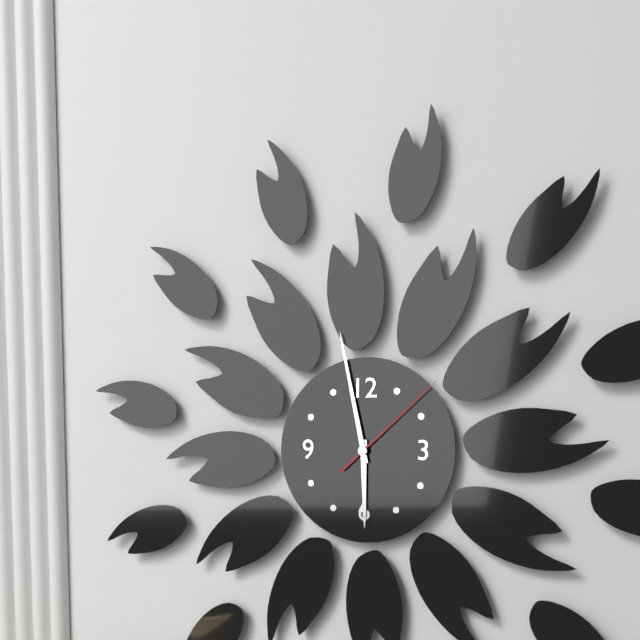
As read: h=5 m=58 s=8
